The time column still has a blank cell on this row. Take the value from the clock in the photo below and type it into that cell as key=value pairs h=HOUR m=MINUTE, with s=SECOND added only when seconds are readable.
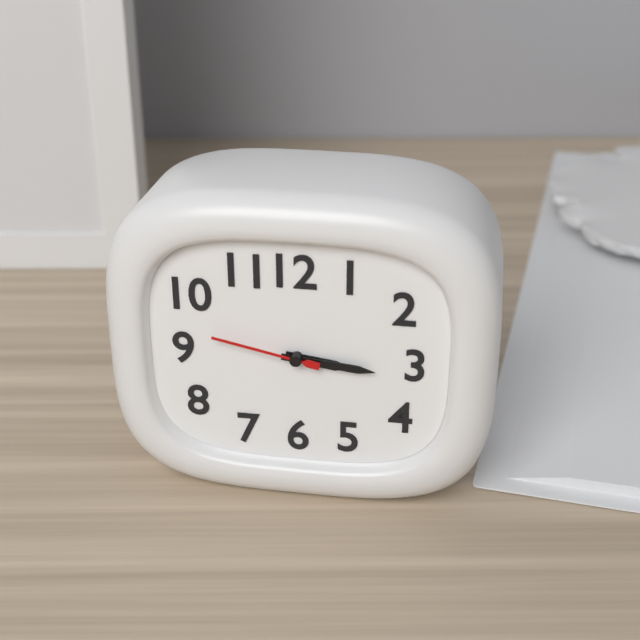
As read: h=3 m=16 s=47
